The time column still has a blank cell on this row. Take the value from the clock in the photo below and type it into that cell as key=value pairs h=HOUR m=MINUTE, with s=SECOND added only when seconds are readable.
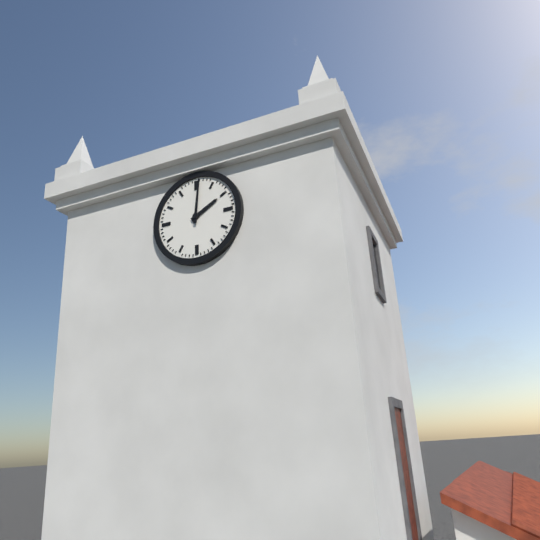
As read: h=2 m=1
